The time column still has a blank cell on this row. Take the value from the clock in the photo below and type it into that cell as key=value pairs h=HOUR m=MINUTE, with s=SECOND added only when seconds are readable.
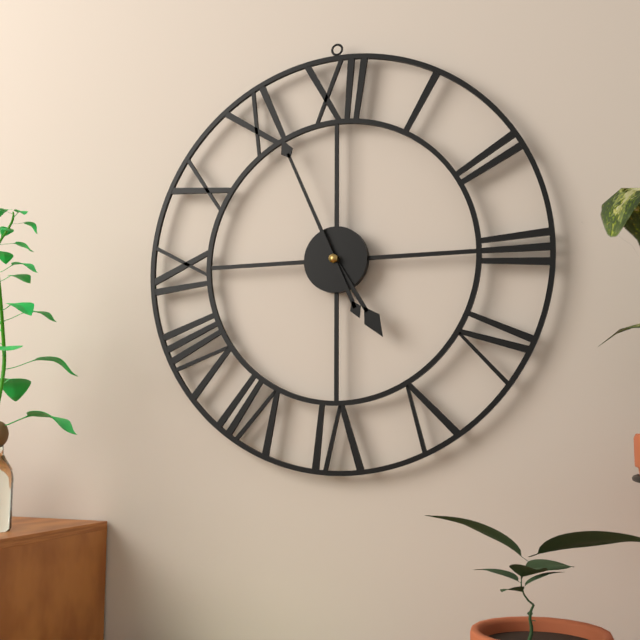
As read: h=4 m=56
